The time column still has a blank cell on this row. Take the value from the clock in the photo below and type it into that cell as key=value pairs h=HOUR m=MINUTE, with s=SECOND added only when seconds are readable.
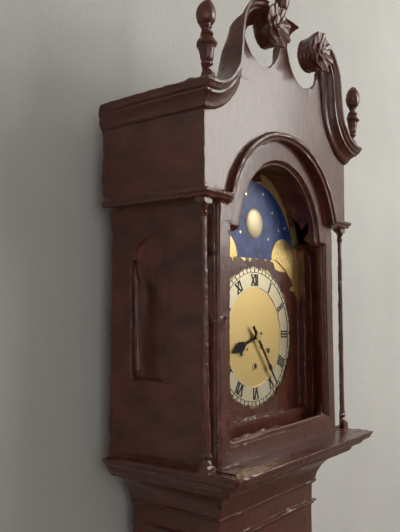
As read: h=8 m=24
